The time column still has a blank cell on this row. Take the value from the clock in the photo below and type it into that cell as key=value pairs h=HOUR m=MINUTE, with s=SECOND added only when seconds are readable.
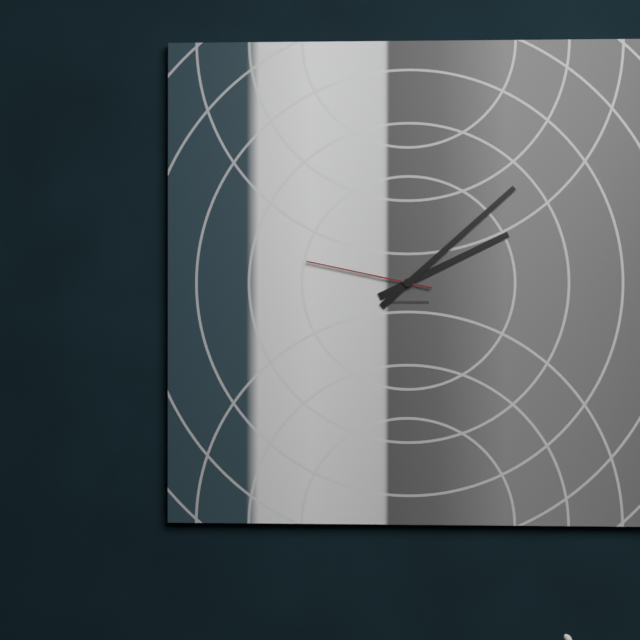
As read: h=2 m=8 s=47
